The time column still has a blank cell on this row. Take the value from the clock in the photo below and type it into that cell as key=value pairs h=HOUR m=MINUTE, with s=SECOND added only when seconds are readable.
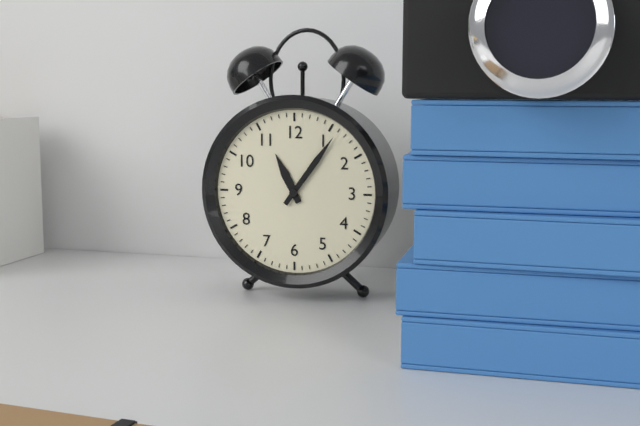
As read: h=11 m=6
